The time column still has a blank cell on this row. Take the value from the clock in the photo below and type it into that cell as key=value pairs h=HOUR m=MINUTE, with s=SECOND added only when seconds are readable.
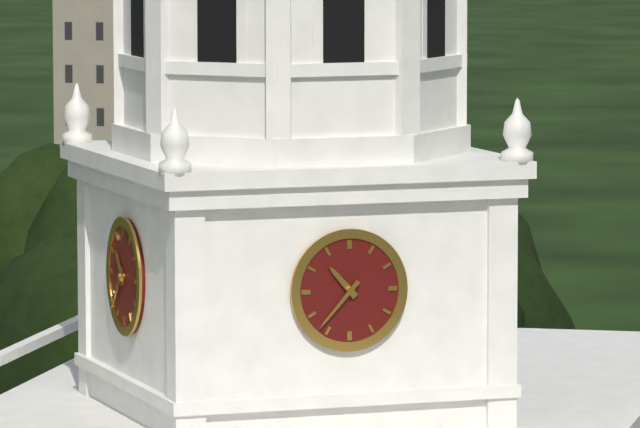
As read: h=10 m=37
